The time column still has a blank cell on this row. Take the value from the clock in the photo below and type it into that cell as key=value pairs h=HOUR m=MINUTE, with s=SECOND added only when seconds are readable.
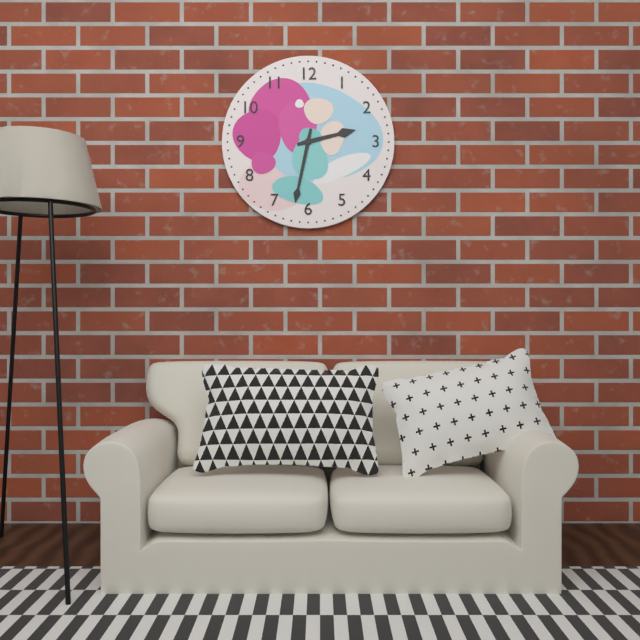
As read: h=2 m=32
